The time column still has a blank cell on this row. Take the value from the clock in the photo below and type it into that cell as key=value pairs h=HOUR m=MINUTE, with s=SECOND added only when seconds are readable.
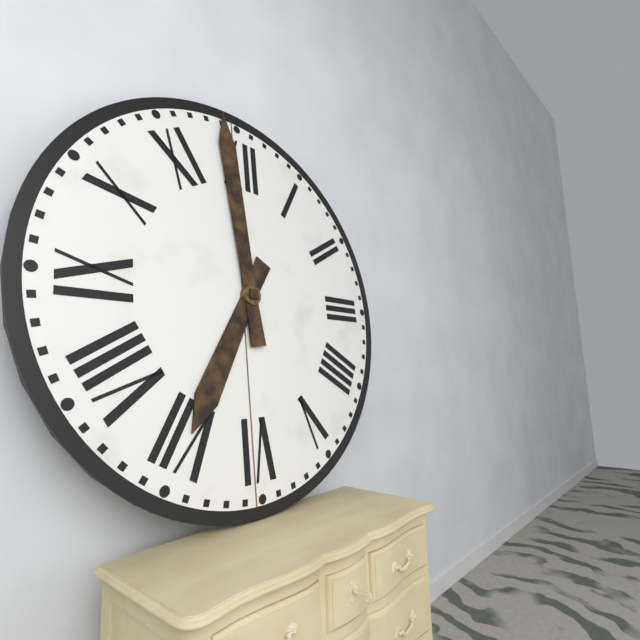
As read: h=6 m=59
